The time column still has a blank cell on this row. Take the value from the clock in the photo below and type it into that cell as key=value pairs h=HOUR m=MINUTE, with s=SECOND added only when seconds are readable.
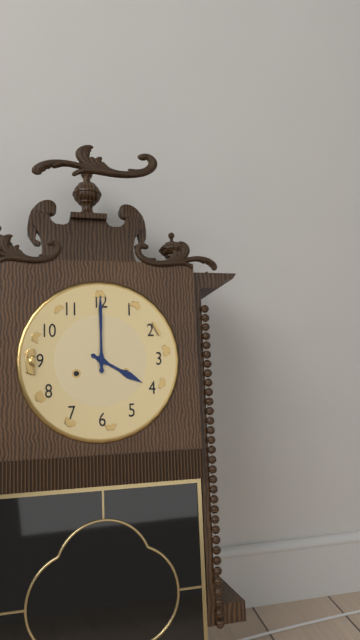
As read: h=4 m=0
